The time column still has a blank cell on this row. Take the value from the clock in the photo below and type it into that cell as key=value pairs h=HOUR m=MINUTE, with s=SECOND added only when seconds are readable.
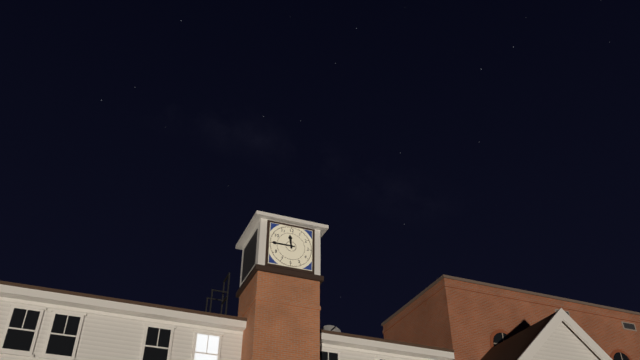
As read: h=11 m=45
